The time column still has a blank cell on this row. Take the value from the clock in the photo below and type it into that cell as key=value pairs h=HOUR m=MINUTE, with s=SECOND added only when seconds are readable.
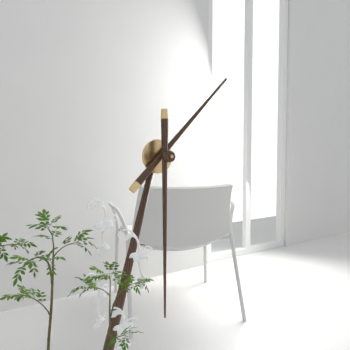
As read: h=1 m=30
